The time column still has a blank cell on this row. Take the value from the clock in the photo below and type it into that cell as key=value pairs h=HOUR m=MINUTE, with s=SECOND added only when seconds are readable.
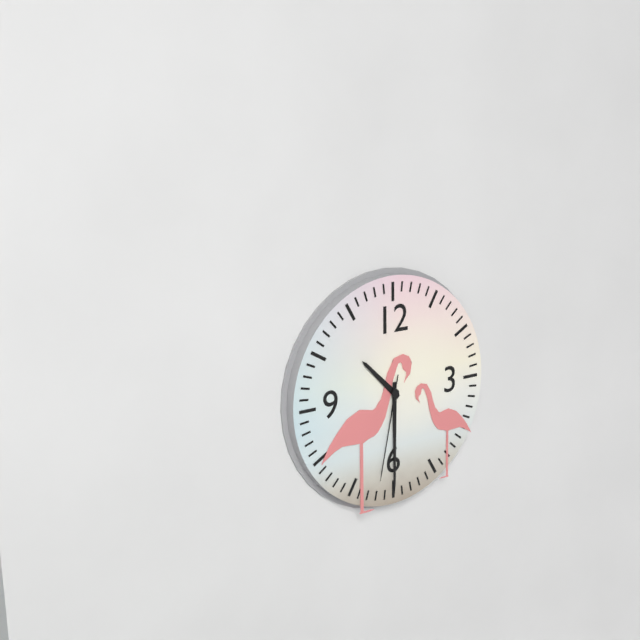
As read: h=10 m=30 s=32
